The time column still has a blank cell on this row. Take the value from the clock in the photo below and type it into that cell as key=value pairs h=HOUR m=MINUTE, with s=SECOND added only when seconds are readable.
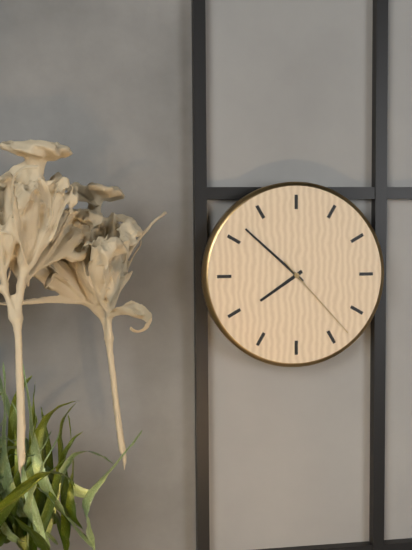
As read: h=7 m=52 s=23
